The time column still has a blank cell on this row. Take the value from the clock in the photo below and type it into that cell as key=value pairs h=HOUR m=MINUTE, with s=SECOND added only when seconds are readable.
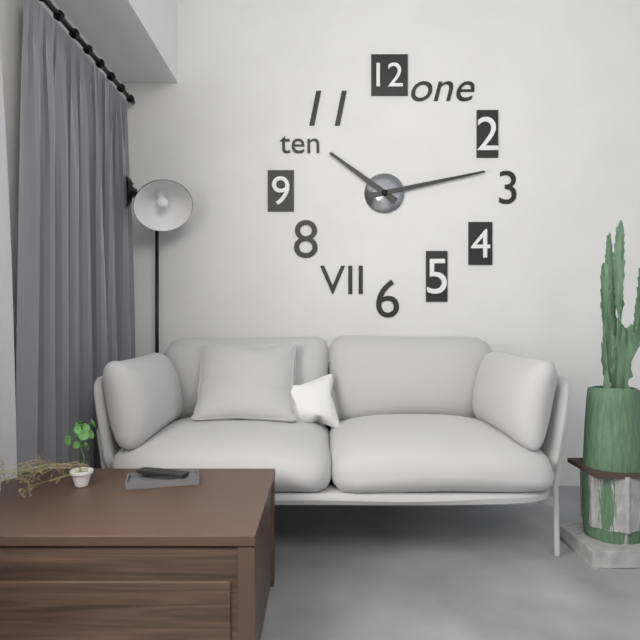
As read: h=10 m=13
